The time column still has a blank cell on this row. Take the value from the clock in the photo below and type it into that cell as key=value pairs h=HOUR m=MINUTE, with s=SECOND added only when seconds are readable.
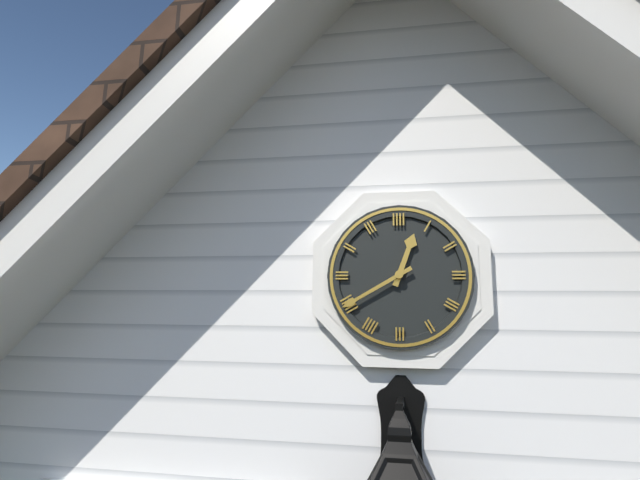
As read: h=12 m=40
